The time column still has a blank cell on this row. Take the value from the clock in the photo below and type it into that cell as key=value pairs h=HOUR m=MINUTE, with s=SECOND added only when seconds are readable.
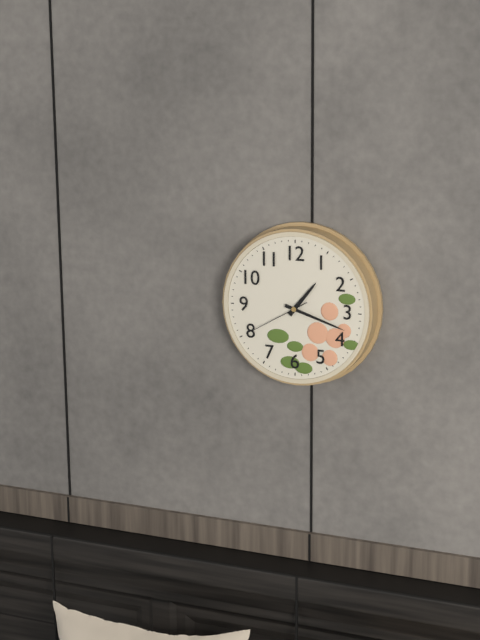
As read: h=1 m=18 s=40
